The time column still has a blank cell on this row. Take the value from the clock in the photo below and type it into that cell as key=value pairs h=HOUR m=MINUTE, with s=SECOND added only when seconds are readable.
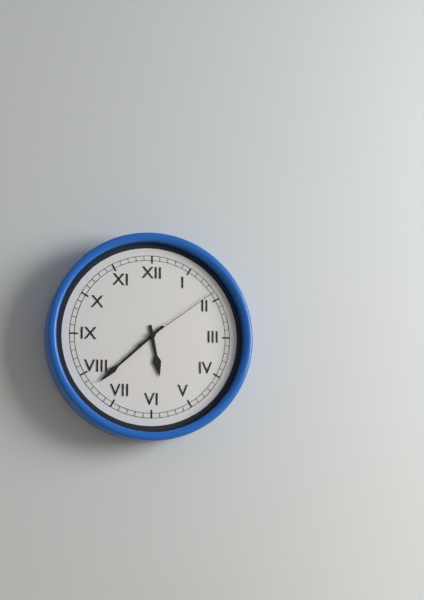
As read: h=5 m=38 s=9
